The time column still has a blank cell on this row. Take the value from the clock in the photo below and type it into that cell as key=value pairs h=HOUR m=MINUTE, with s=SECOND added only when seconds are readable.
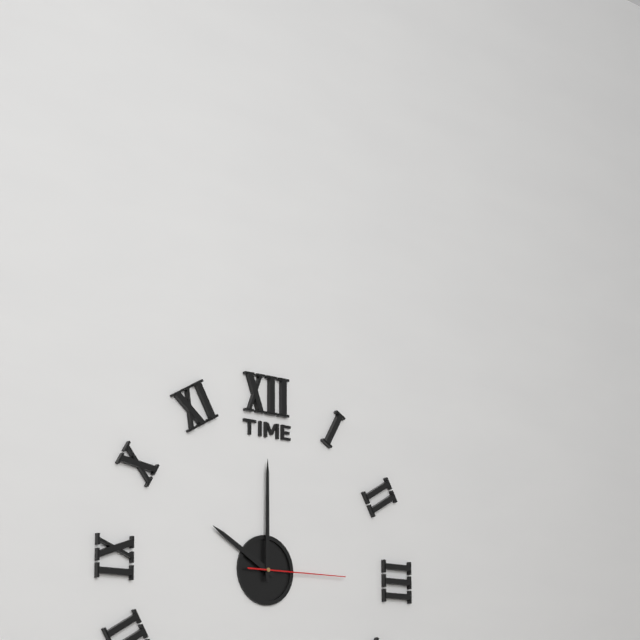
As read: h=10 m=0 s=15
